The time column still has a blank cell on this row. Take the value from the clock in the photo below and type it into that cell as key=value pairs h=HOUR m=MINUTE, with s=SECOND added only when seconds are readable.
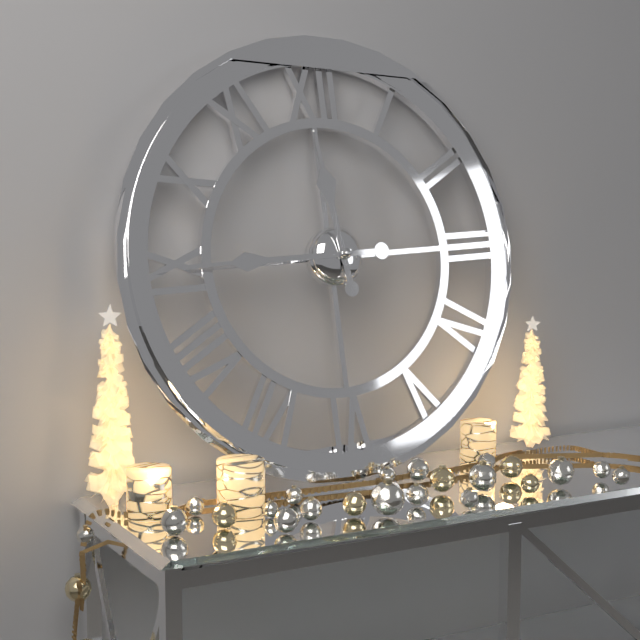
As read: h=11 m=45
